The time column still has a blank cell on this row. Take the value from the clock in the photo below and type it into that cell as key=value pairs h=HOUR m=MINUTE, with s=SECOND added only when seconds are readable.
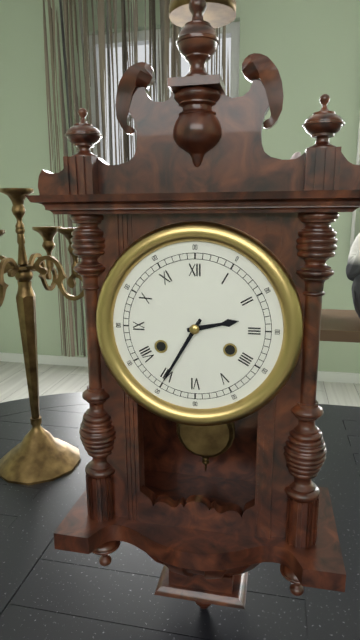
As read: h=2 m=35
